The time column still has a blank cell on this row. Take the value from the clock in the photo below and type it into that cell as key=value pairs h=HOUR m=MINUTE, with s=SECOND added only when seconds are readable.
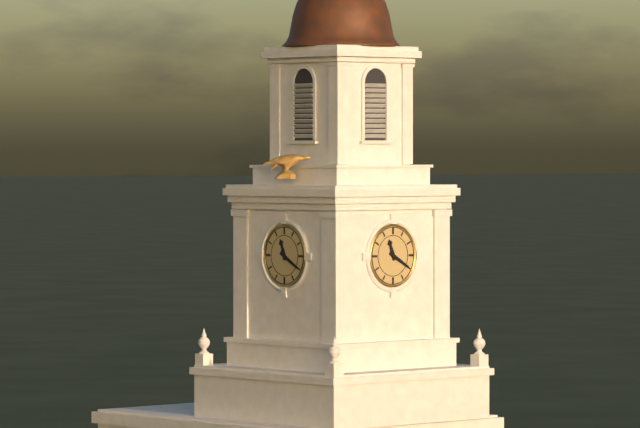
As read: h=11 m=20
